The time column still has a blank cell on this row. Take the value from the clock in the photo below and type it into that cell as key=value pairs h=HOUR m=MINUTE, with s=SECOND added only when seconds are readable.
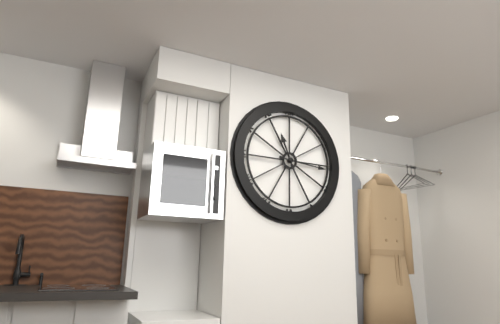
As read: h=11 m=16
